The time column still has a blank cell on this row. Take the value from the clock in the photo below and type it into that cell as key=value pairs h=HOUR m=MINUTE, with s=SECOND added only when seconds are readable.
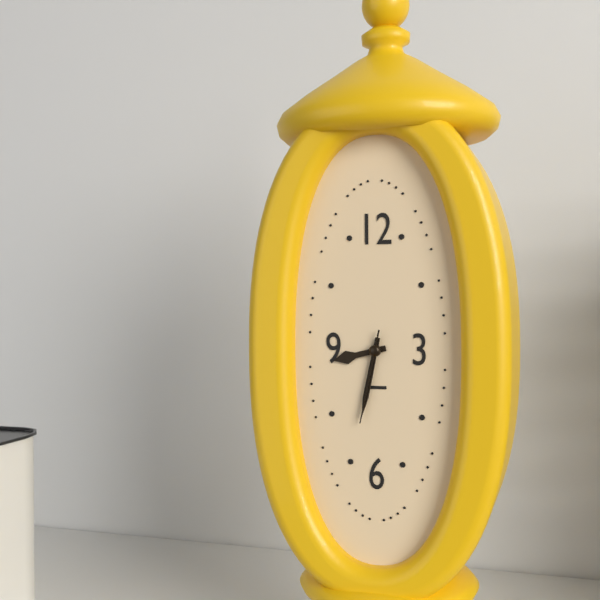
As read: h=8 m=32 s=32
